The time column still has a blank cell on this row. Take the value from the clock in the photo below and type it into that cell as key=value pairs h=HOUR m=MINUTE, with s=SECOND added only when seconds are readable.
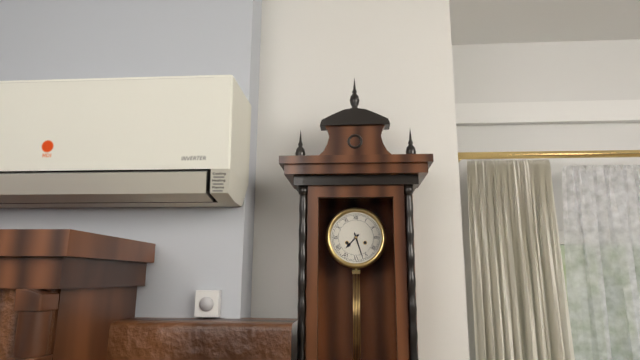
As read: h=7 m=27
